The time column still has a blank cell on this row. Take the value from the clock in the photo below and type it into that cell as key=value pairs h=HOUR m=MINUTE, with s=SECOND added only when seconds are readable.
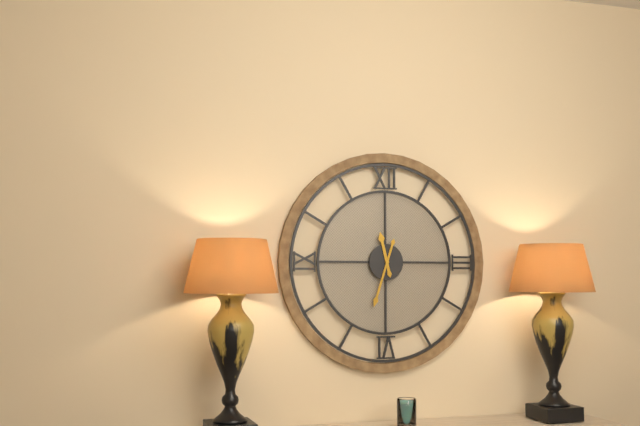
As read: h=11 m=33
